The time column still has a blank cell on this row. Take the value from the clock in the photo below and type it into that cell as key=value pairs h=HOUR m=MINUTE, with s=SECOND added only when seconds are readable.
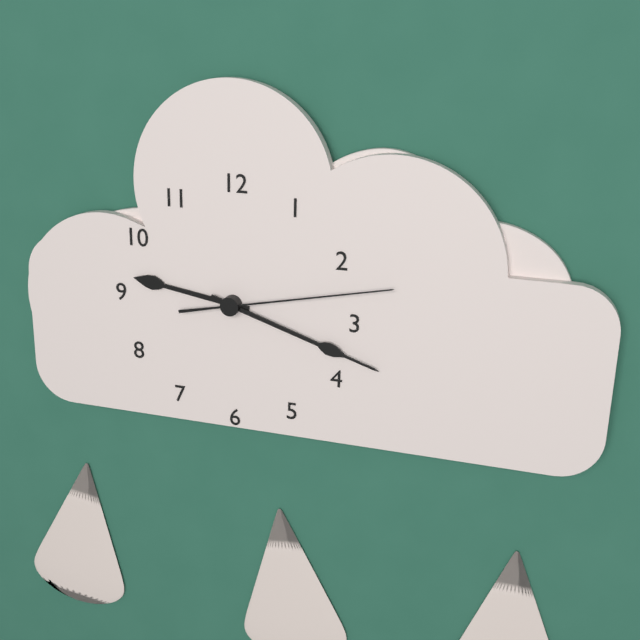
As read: h=9 m=18 s=13
